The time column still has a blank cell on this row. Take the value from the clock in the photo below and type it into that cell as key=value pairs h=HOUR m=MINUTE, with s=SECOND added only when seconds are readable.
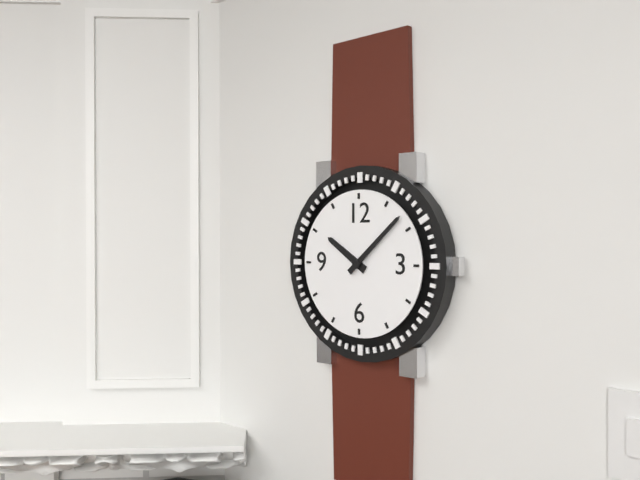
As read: h=10 m=8
